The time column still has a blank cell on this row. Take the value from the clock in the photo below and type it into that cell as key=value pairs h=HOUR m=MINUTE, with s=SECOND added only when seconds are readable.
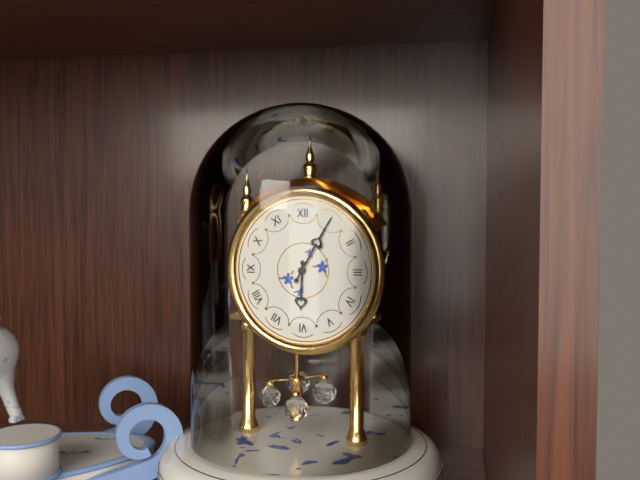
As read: h=6 m=5
